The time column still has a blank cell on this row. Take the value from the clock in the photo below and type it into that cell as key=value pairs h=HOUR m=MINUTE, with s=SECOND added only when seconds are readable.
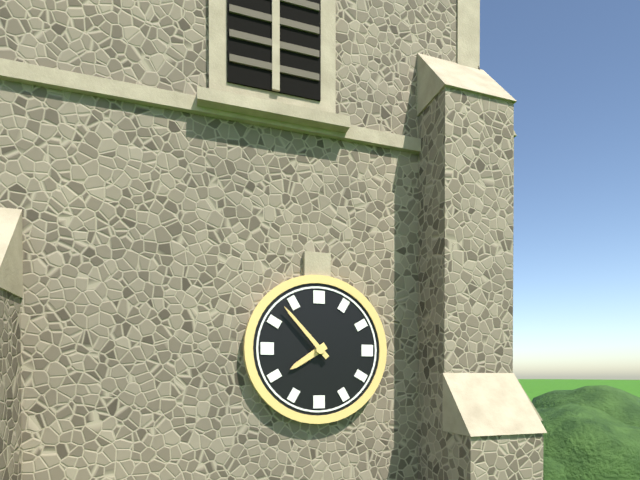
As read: h=7 m=53
